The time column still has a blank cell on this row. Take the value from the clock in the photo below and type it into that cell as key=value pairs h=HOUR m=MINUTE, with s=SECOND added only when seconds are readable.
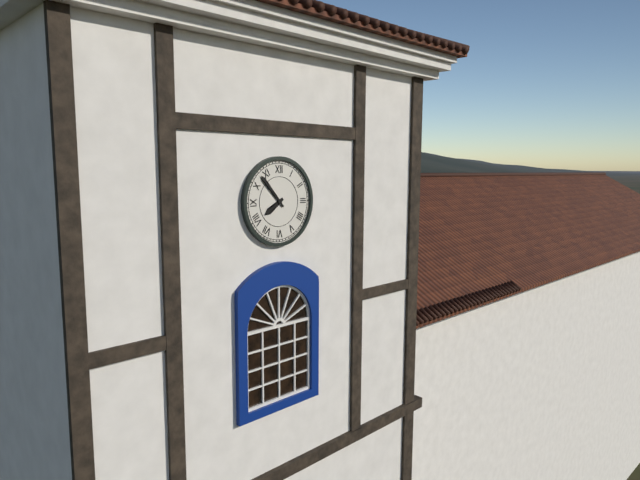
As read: h=7 m=53
